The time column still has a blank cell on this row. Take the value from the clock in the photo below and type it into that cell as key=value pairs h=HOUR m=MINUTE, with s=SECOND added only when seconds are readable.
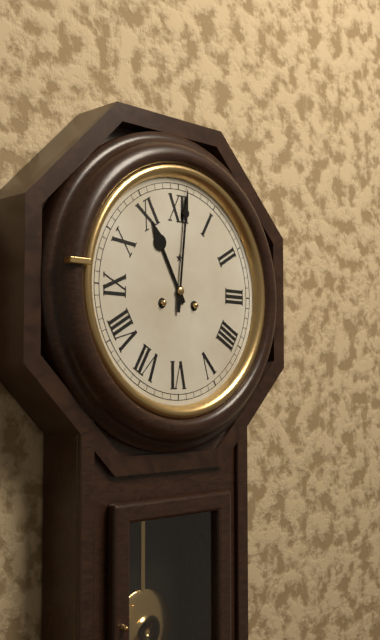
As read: h=11 m=1
